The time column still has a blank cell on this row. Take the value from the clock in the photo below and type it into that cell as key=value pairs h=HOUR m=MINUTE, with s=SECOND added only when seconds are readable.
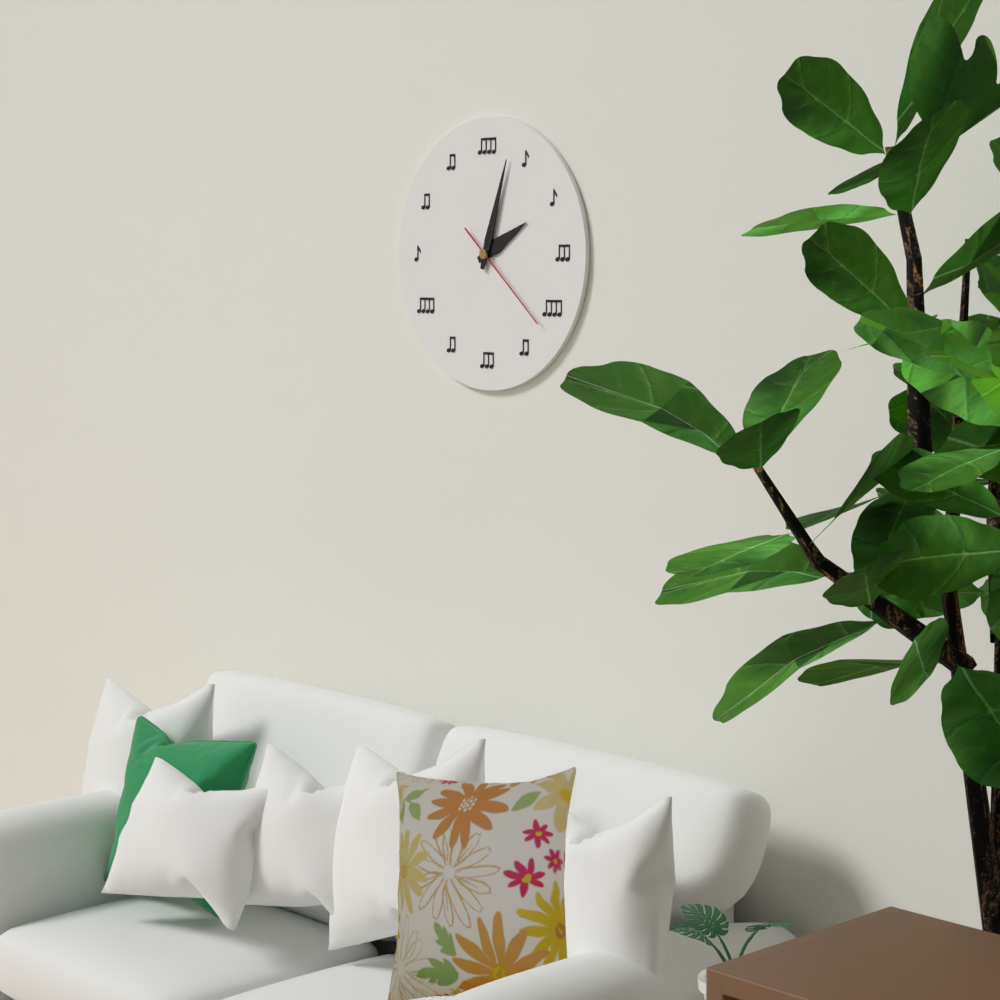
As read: h=2 m=3 s=22
